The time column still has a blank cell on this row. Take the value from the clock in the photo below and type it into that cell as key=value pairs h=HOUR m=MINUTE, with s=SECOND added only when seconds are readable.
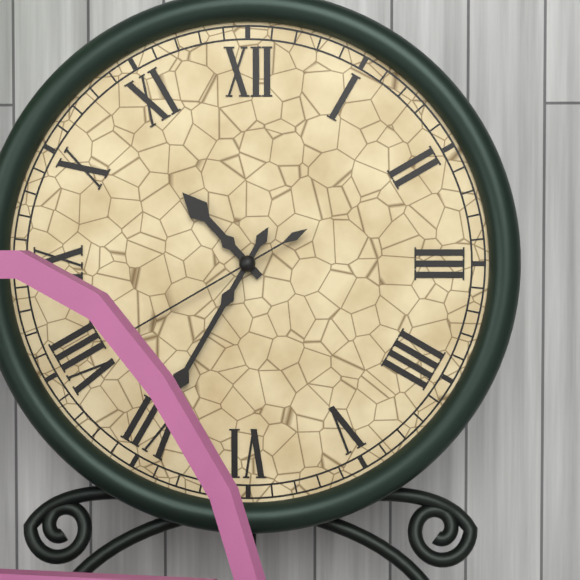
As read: h=10 m=35 s=40
